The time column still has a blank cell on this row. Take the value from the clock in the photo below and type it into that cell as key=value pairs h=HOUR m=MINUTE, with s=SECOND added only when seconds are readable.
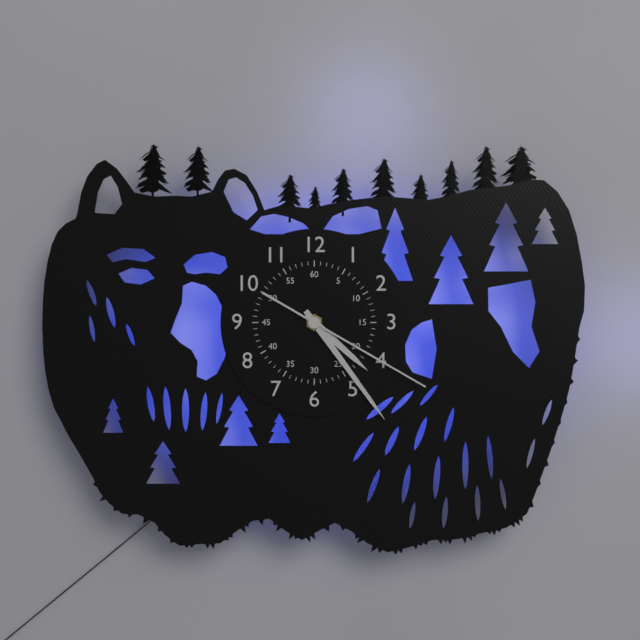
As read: h=4 m=24 s=20
